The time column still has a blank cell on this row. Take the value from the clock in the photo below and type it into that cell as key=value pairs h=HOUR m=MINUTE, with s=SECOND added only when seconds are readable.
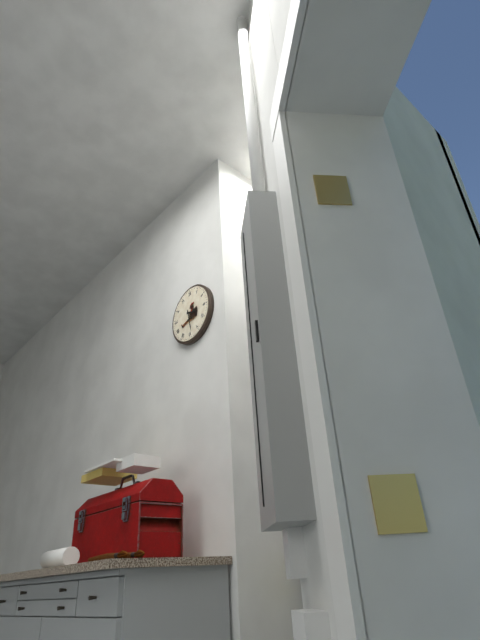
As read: h=3 m=28
